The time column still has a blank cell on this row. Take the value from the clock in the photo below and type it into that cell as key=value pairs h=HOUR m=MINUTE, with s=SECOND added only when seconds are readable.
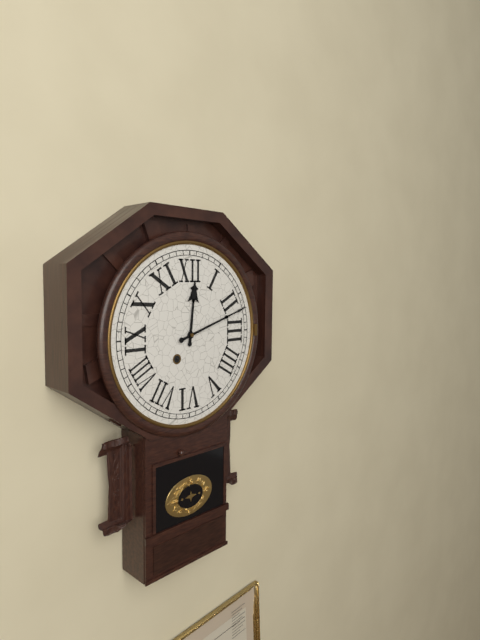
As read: h=12 m=12
